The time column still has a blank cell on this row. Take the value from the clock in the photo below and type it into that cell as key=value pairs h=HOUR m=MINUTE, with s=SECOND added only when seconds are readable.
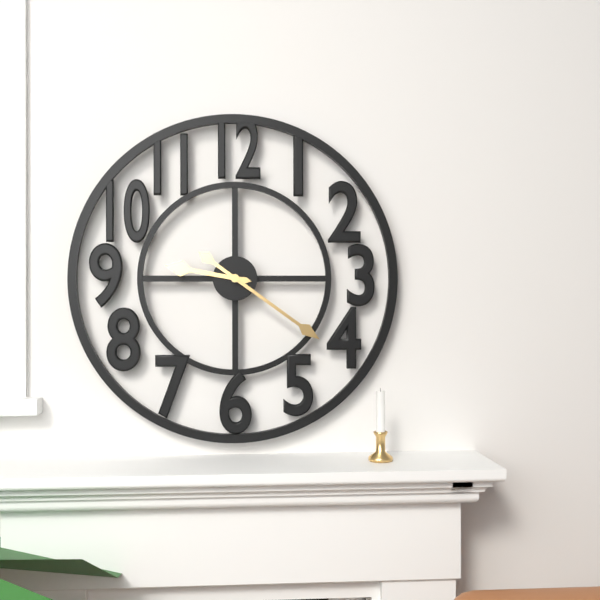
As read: h=9 m=21
